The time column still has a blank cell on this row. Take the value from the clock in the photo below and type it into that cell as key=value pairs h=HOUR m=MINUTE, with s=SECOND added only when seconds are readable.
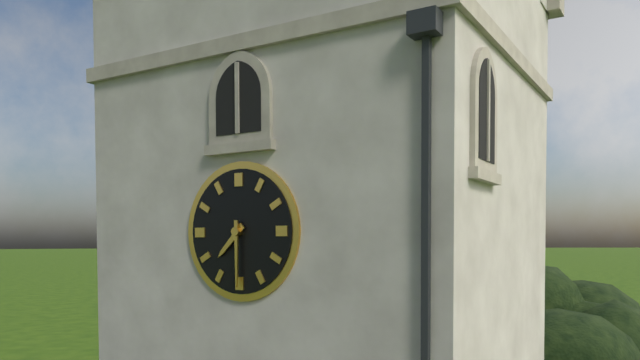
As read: h=7 m=30
